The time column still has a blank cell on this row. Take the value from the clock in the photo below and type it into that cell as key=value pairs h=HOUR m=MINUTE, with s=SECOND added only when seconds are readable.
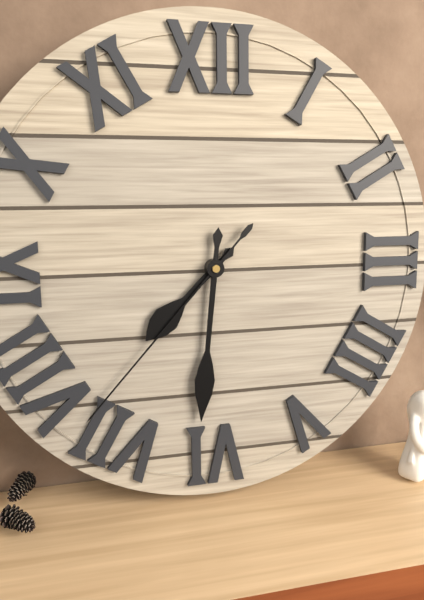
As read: h=7 m=31 s=37
